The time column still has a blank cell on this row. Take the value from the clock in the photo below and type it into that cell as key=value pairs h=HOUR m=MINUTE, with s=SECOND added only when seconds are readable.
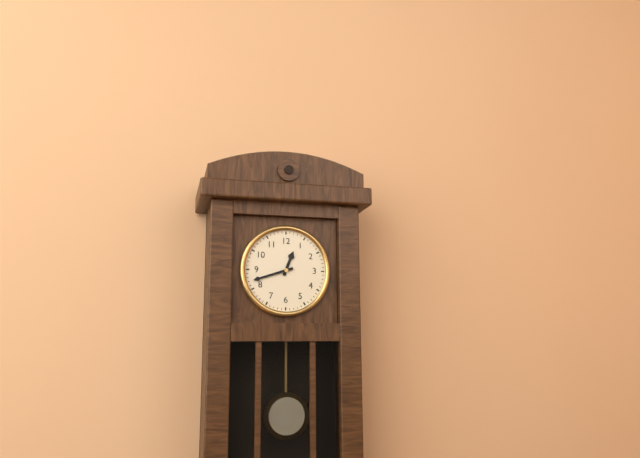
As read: h=12 m=42
